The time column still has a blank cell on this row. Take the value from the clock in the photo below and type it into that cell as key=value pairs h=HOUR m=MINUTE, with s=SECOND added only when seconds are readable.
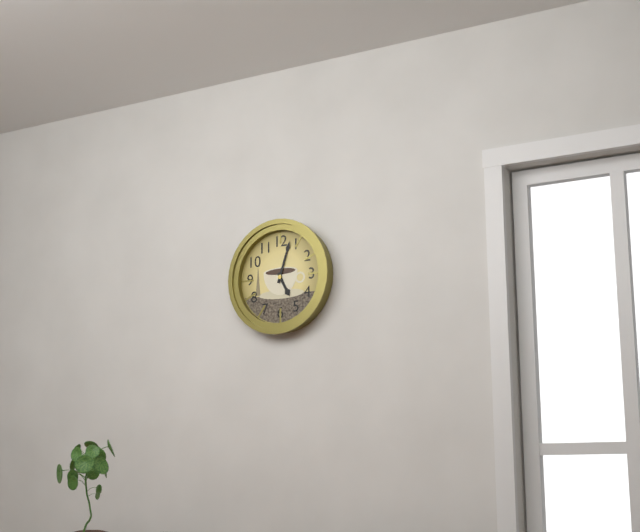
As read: h=5 m=3
